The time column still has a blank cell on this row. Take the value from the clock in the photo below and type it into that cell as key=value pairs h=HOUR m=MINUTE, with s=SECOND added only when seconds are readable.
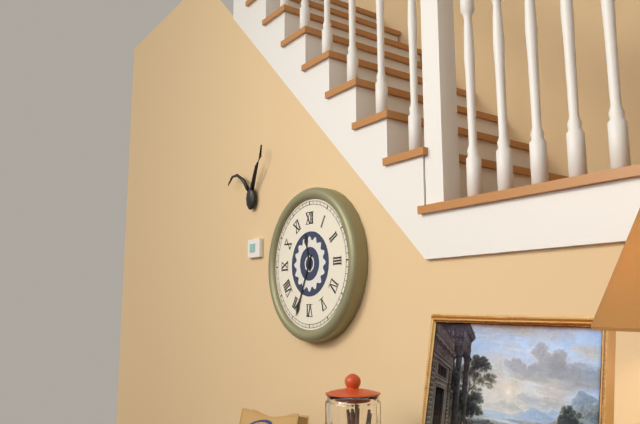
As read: h=11 m=34
